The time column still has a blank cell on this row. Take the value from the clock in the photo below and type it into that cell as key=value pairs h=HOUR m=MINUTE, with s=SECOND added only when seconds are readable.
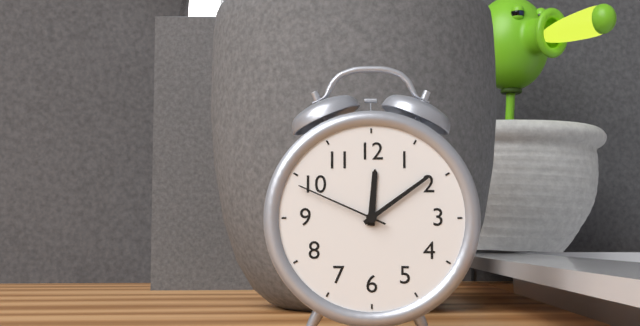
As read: h=12 m=9 s=49
